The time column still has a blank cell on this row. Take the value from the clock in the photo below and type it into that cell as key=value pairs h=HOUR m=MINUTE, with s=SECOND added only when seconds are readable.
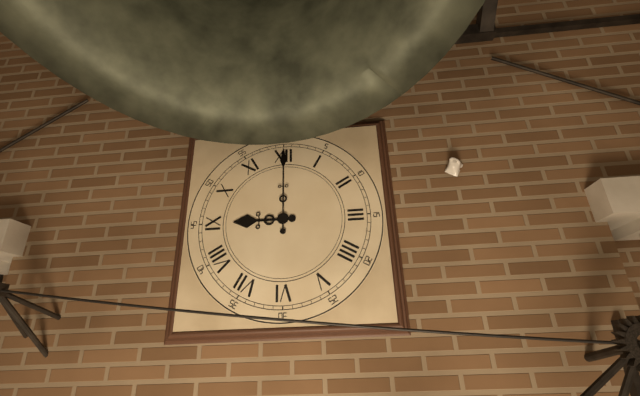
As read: h=9 m=0
